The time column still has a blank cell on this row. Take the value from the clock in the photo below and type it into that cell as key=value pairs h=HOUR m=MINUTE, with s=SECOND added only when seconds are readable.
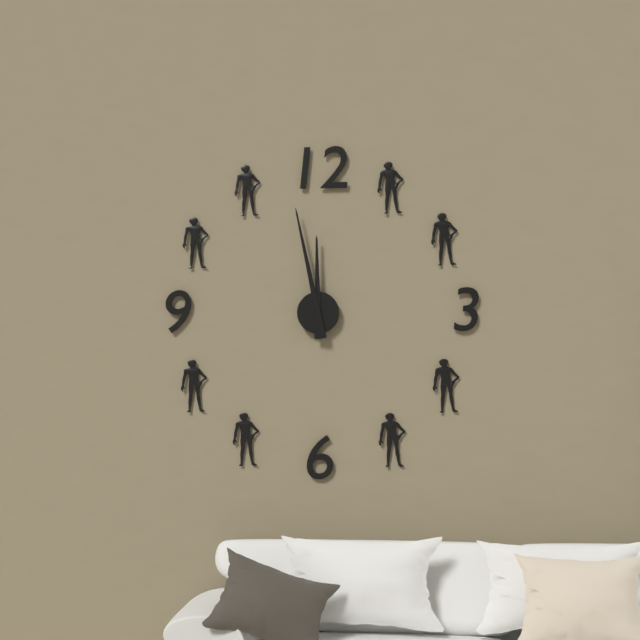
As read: h=11 m=58
